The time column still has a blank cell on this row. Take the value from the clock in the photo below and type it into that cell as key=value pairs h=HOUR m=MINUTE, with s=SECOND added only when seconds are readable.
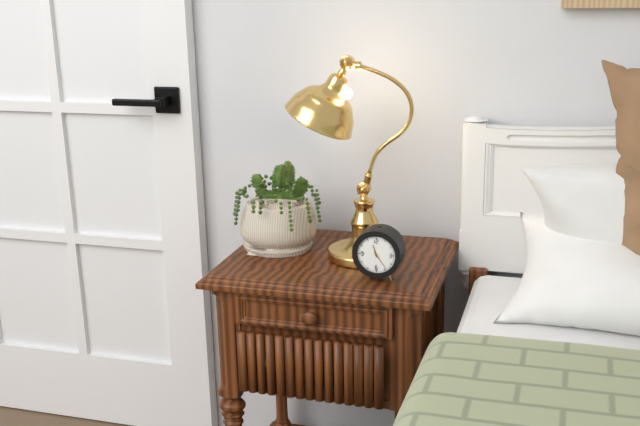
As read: h=11 m=24
